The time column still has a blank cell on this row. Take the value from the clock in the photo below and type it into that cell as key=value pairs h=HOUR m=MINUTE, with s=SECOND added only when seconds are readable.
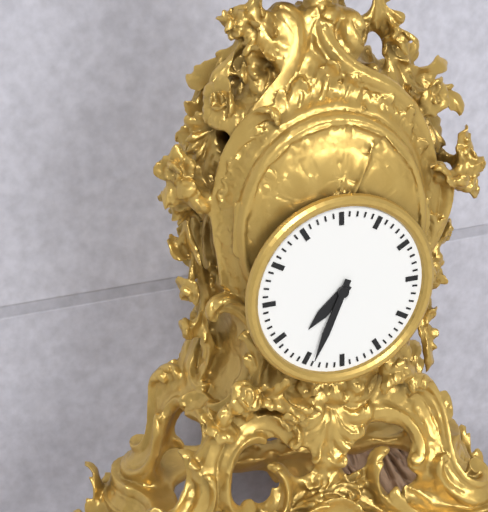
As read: h=7 m=34
